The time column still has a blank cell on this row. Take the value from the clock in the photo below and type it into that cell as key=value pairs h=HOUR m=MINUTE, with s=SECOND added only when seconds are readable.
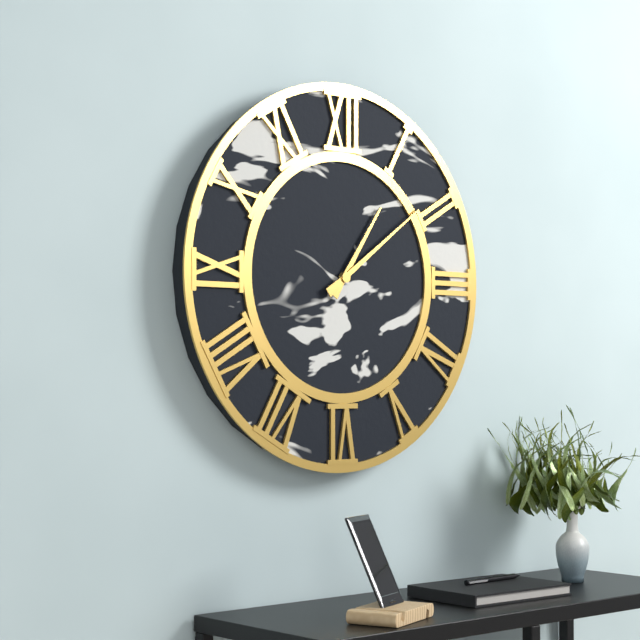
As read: h=1 m=9
